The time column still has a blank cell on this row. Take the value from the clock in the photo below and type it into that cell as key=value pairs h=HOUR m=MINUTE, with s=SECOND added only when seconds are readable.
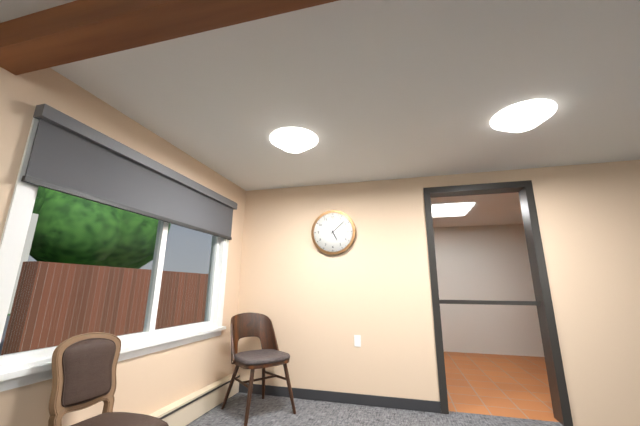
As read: h=5 m=8
